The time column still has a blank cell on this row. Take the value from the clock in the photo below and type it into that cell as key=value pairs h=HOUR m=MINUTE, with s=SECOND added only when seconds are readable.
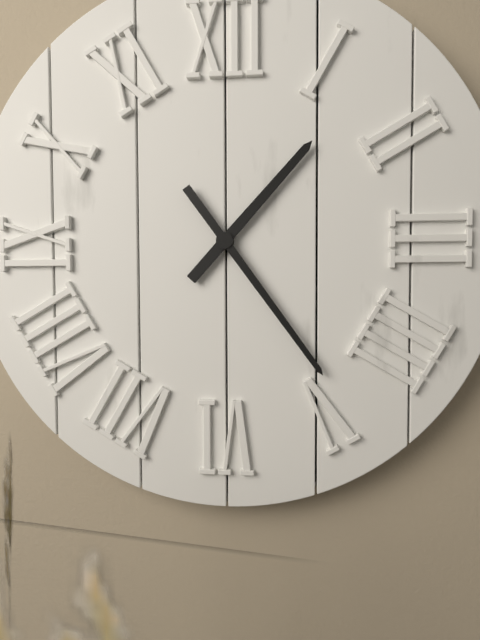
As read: h=1 m=24
